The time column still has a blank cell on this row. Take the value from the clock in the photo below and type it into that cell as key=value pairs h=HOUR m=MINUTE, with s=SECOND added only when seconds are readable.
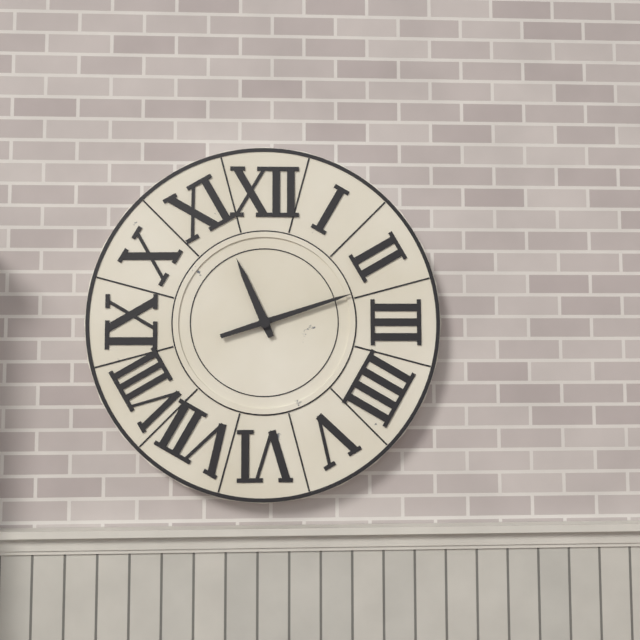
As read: h=11 m=12
